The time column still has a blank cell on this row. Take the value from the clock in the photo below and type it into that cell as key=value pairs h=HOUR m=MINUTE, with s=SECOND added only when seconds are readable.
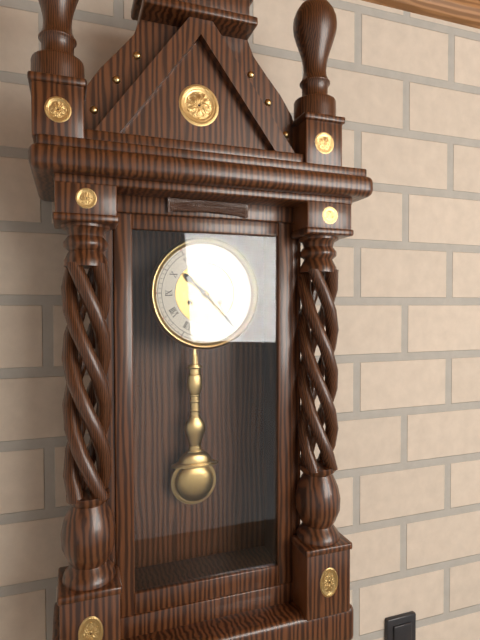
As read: h=10 m=23
